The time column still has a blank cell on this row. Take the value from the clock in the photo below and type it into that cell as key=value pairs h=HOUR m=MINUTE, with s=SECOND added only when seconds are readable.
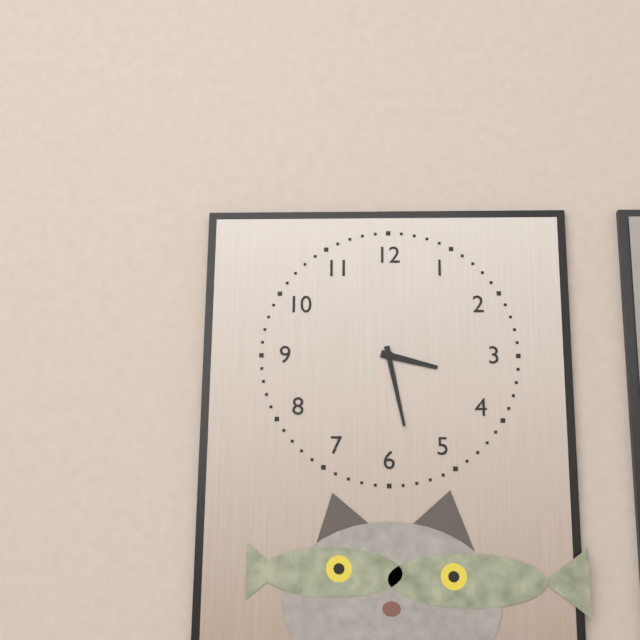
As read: h=3 m=28
